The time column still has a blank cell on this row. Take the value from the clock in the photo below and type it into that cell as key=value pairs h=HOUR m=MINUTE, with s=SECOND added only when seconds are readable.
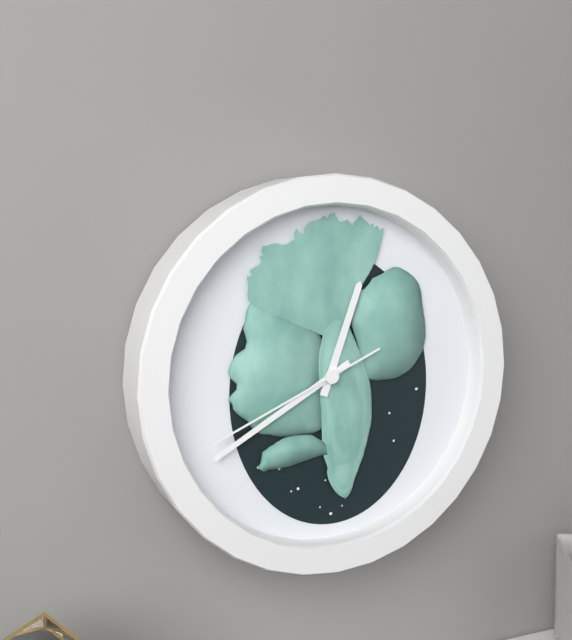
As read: h=12 m=40 s=41
